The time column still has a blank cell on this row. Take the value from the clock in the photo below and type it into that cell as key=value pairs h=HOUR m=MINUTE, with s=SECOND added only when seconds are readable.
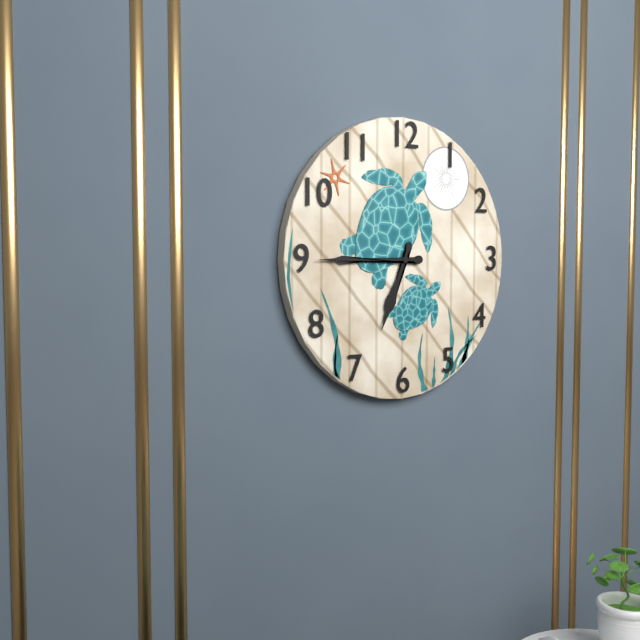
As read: h=6 m=45
